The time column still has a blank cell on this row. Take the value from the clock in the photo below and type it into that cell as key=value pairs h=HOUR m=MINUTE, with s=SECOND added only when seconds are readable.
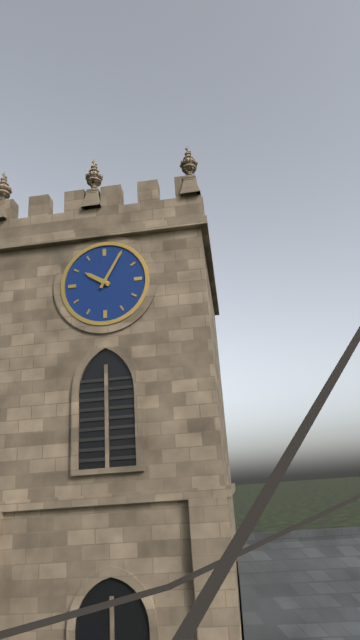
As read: h=10 m=5
